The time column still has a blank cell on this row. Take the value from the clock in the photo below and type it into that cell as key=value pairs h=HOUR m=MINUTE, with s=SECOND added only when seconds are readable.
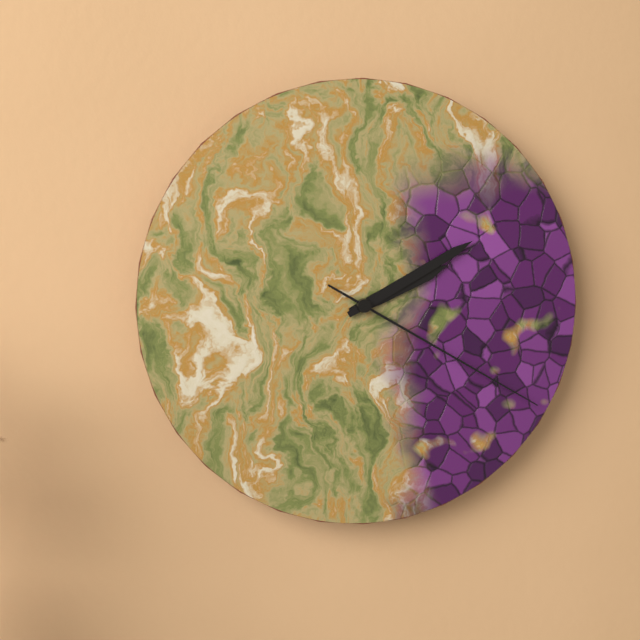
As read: h=2 m=10 s=20
